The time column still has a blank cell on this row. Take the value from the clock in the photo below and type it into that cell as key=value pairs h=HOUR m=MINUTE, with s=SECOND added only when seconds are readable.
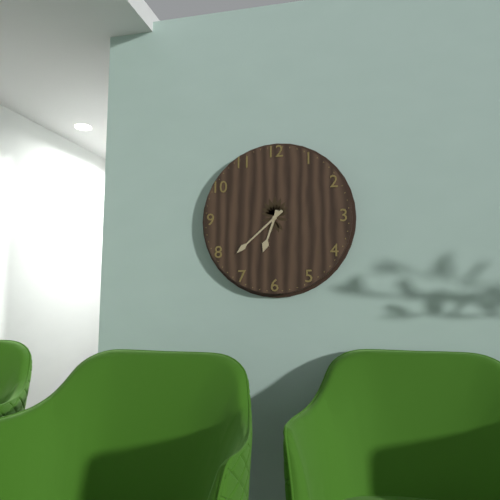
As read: h=6 m=38
